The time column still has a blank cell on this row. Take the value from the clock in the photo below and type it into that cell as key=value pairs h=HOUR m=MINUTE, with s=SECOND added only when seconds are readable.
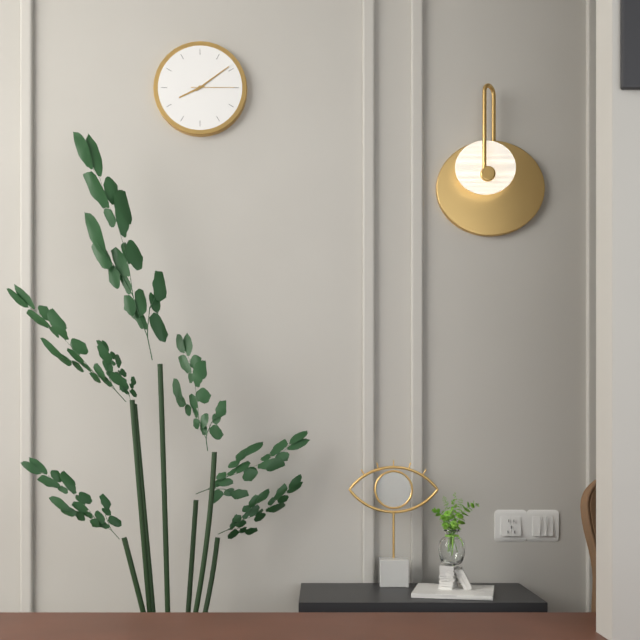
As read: h=8 m=9
